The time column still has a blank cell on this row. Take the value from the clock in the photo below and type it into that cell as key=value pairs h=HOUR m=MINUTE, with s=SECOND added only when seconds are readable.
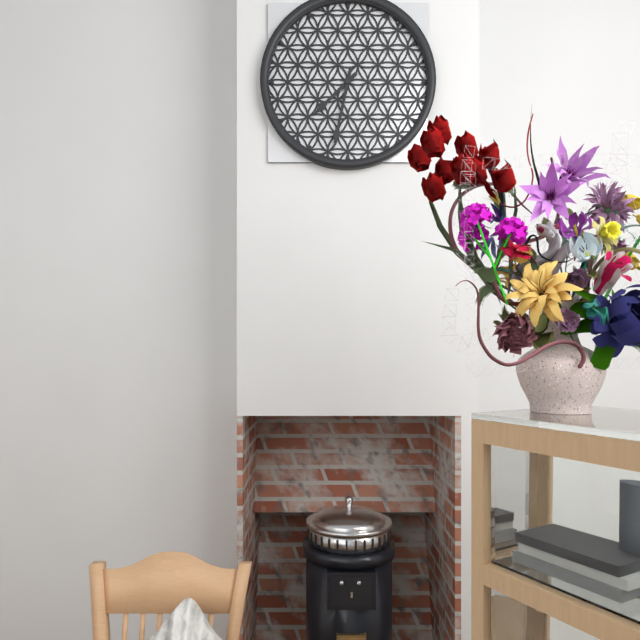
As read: h=7 m=32
